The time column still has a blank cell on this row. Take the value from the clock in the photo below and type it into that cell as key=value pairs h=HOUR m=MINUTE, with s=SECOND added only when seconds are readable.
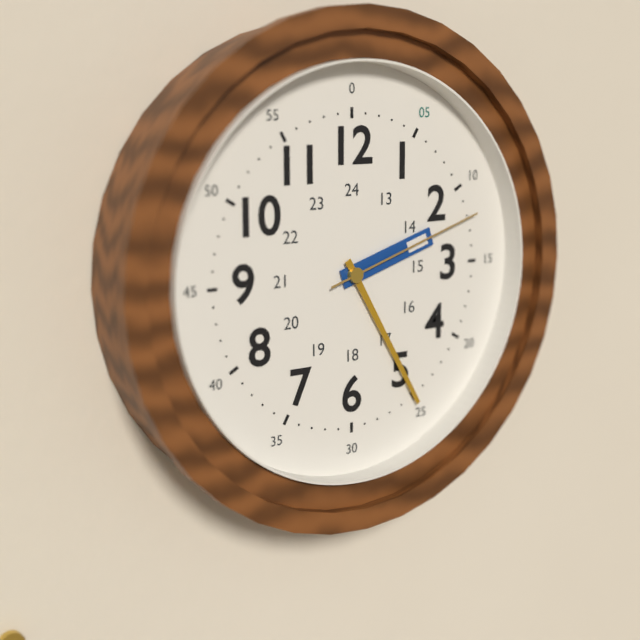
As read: h=2 m=25 s=12
